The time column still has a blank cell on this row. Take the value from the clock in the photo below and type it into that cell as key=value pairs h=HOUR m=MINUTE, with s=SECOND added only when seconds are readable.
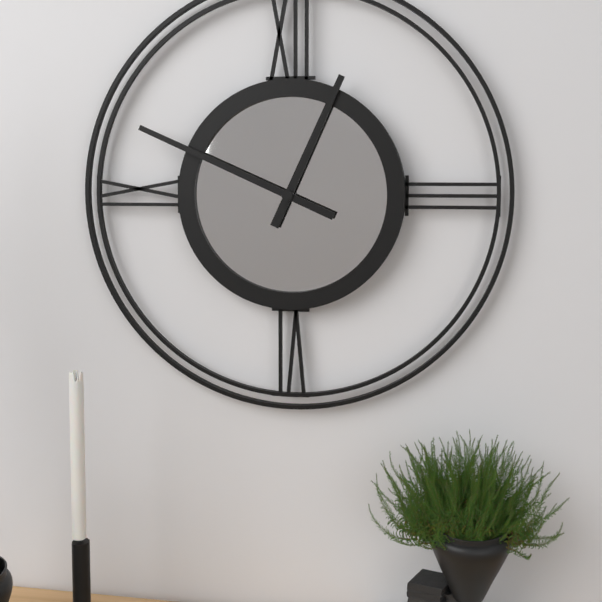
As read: h=12 m=49
